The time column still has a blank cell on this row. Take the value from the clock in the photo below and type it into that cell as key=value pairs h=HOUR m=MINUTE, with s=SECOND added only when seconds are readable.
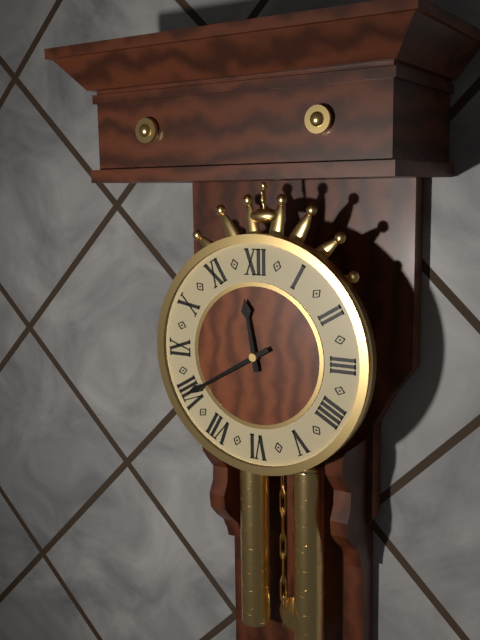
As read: h=11 m=40
